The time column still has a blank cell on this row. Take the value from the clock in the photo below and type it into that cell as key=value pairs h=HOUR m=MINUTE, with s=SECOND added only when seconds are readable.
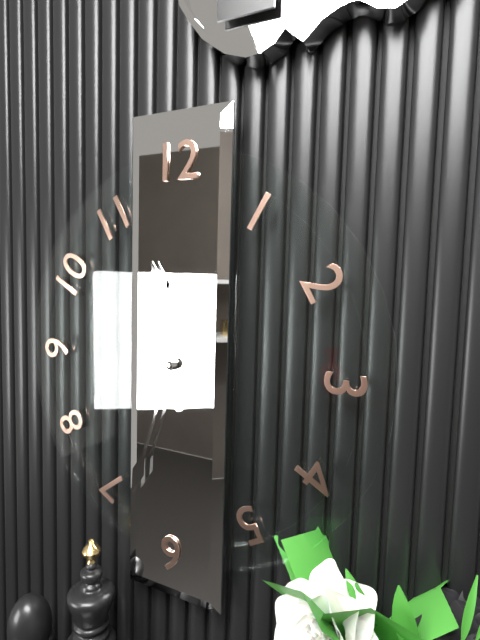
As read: h=11 m=33
